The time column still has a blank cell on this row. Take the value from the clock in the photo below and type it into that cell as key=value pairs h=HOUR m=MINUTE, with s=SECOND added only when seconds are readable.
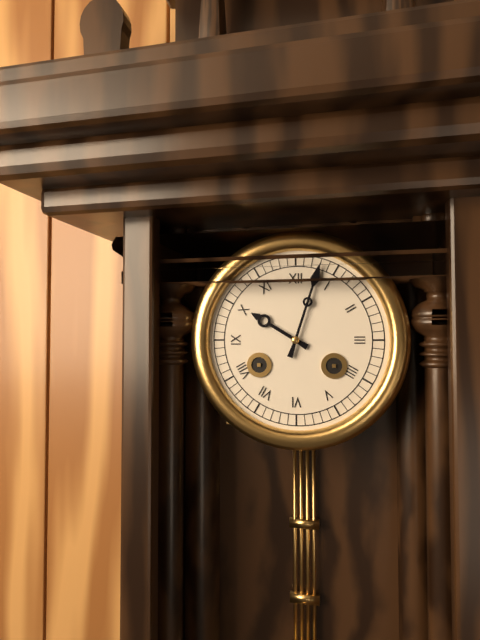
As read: h=10 m=3
